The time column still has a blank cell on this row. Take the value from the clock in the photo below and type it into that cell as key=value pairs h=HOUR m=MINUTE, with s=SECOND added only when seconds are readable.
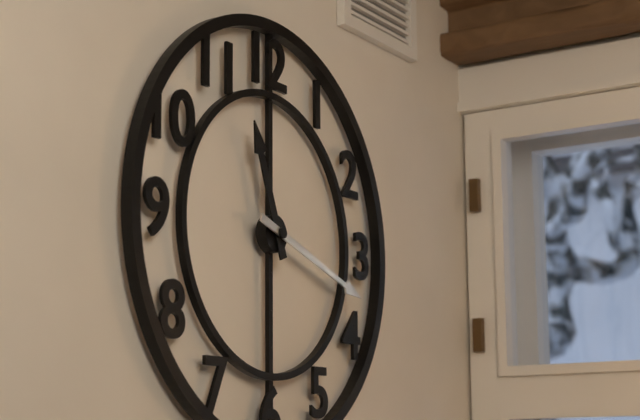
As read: h=11 m=18
